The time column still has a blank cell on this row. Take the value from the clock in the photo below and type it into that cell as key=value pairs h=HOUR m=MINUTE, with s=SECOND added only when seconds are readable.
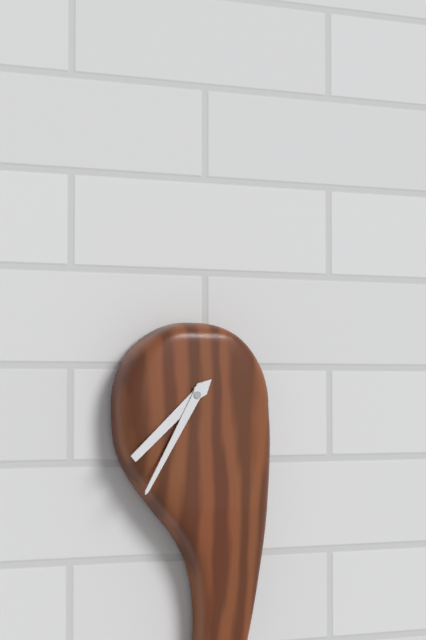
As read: h=7 m=35
